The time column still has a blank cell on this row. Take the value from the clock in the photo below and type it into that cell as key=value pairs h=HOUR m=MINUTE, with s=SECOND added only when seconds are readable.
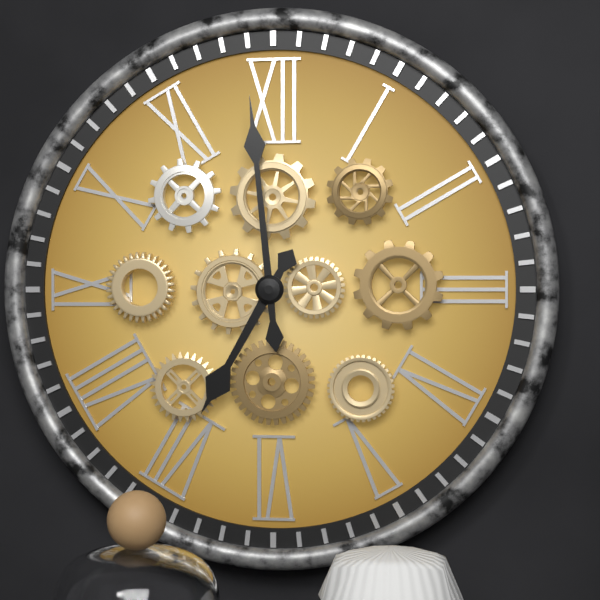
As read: h=6 m=59
